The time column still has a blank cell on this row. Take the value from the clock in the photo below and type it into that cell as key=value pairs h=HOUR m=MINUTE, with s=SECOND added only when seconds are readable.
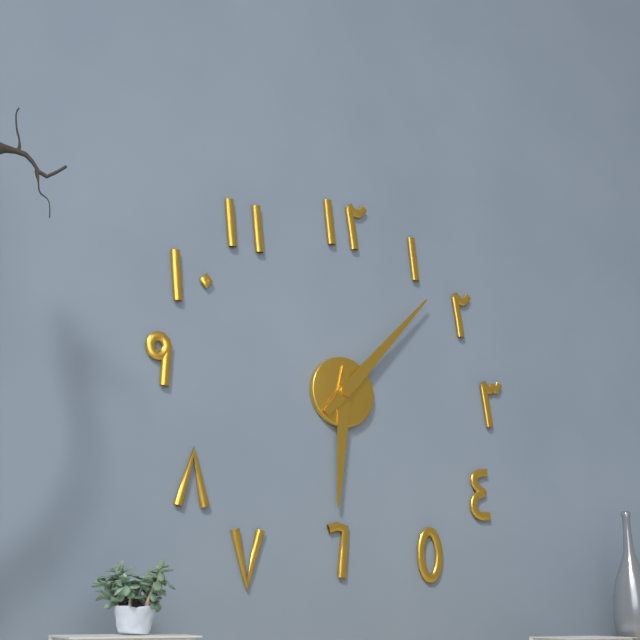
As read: h=6 m=7
